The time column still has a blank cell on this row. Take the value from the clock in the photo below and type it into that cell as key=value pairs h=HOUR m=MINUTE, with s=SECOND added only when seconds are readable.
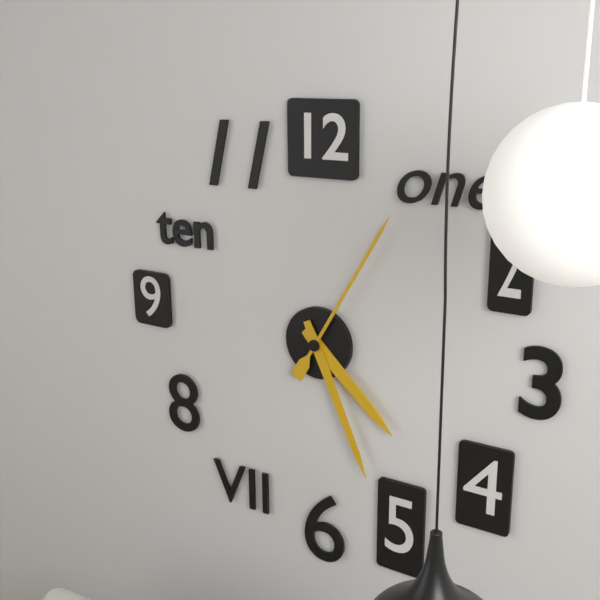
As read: h=4 m=26 s=5
